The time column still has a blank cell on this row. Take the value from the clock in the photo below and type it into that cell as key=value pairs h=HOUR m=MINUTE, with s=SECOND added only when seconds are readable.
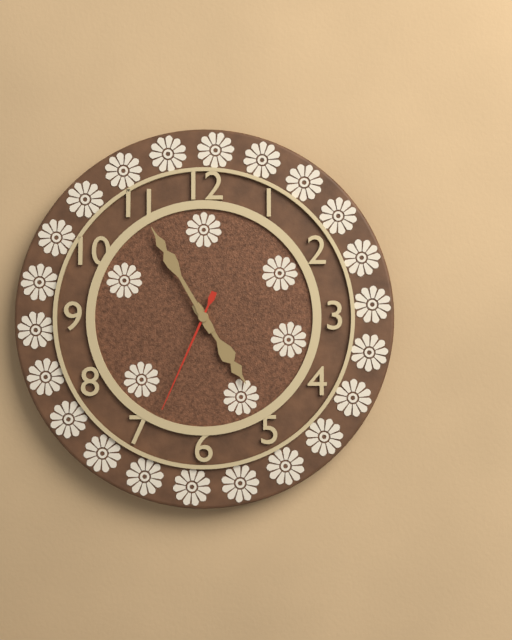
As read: h=4 m=55 s=34
